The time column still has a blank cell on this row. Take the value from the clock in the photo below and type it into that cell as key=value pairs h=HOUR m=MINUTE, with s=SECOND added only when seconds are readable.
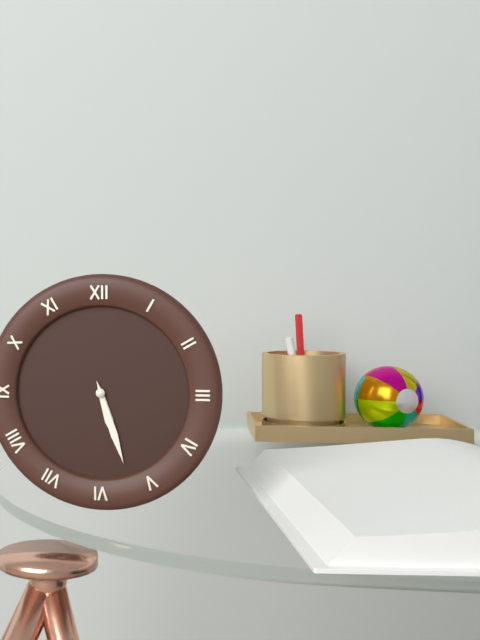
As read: h=5 m=27
